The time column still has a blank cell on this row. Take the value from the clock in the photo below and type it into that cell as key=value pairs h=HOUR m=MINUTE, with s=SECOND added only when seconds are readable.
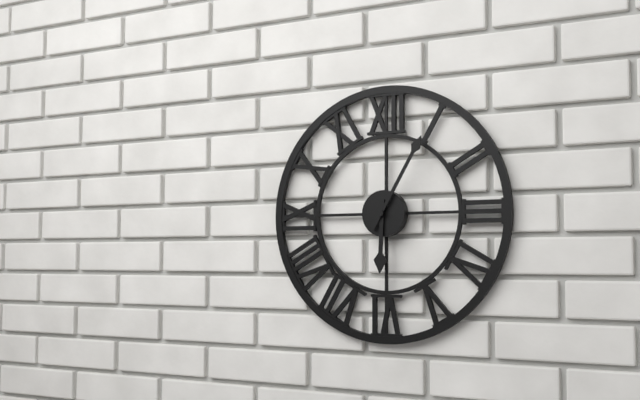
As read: h=6 m=5
